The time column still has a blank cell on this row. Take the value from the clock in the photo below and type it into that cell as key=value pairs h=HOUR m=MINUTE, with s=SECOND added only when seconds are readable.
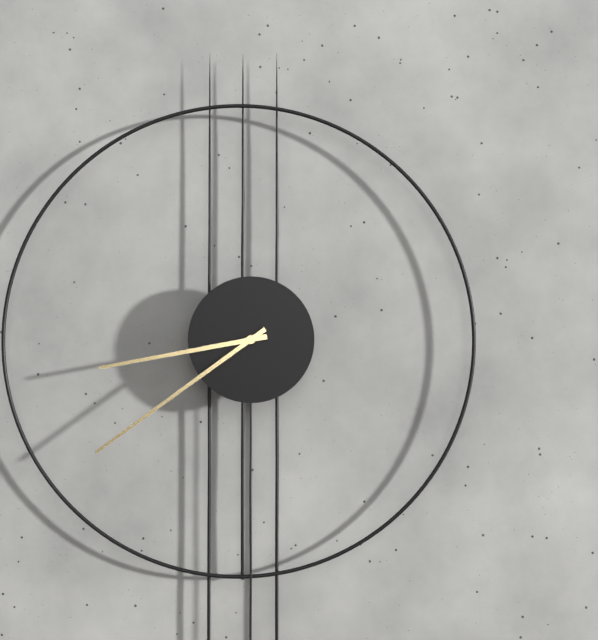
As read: h=8 m=39
